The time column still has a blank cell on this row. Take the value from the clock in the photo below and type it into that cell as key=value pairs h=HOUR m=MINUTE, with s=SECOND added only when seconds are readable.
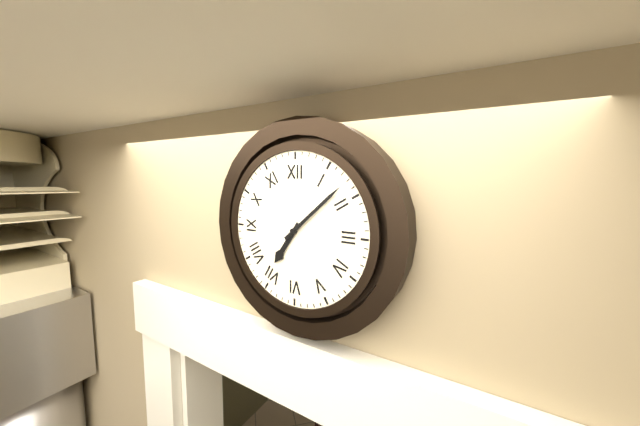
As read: h=7 m=8
